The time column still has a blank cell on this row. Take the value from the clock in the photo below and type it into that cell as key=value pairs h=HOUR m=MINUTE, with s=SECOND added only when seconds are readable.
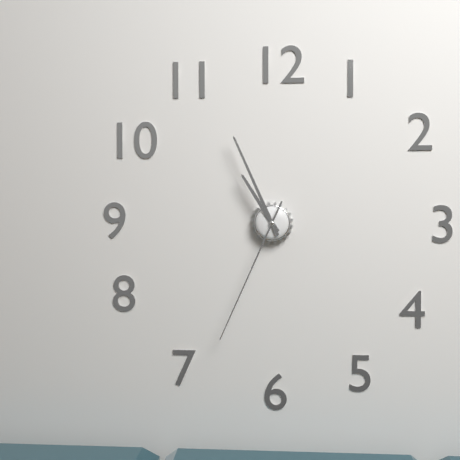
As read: h=10 m=56 s=34
